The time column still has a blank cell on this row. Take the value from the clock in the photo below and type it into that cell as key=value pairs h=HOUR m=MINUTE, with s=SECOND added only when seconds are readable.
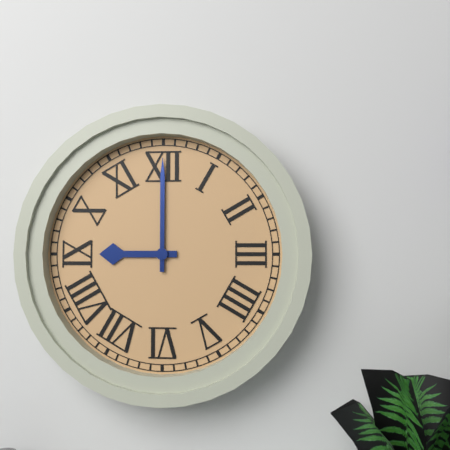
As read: h=9 m=0
